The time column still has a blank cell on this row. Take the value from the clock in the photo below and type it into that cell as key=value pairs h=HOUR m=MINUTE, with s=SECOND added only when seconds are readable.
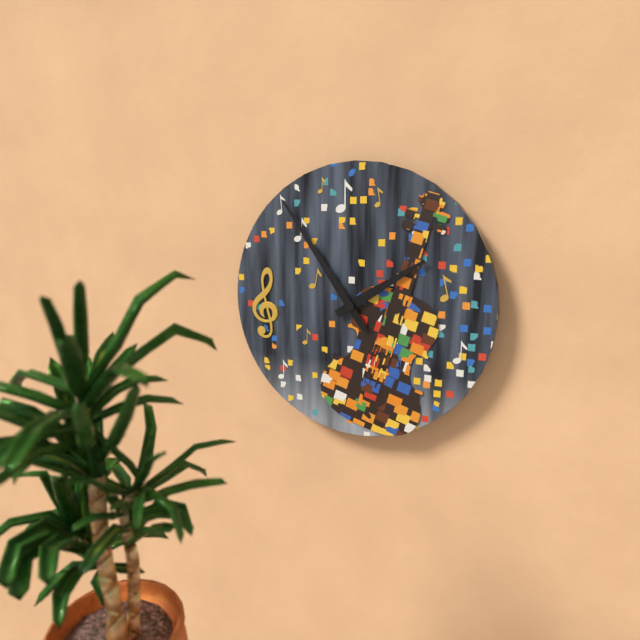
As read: h=1 m=54
